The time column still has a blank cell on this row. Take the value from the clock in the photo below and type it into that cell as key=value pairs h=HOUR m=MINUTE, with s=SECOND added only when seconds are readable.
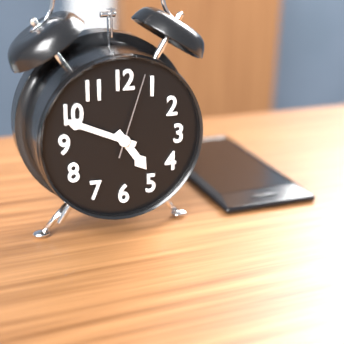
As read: h=4 m=49 s=3
